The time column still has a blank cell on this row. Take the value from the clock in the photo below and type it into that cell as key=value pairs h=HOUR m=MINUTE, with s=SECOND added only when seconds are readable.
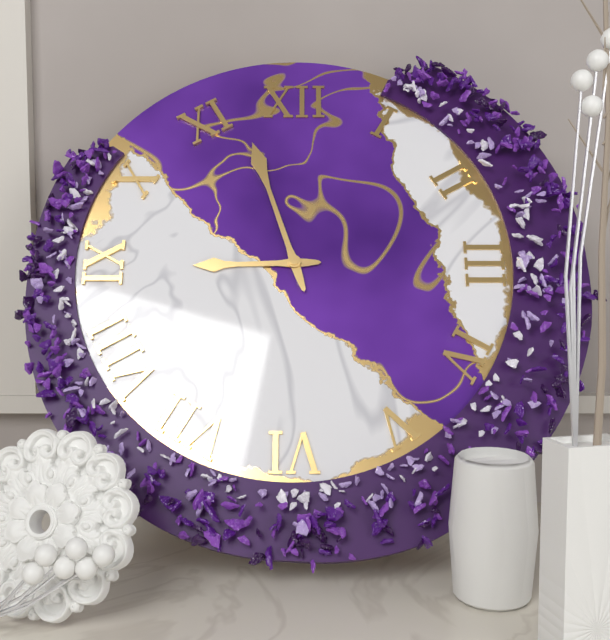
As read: h=8 m=57
